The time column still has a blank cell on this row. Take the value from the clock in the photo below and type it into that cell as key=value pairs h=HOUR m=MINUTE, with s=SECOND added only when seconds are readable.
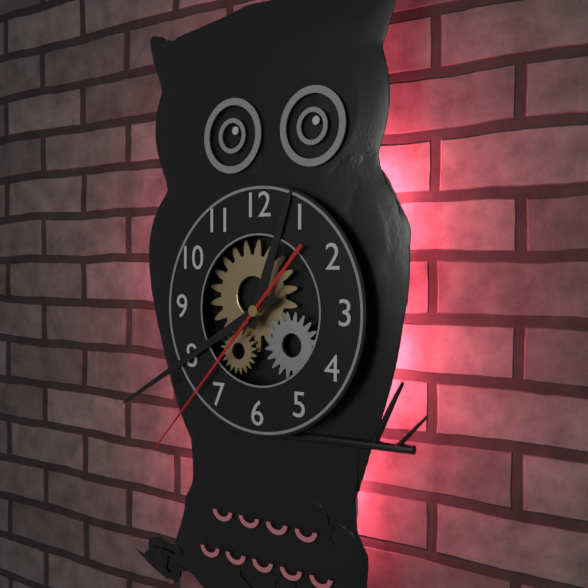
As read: h=12 m=40 s=37
